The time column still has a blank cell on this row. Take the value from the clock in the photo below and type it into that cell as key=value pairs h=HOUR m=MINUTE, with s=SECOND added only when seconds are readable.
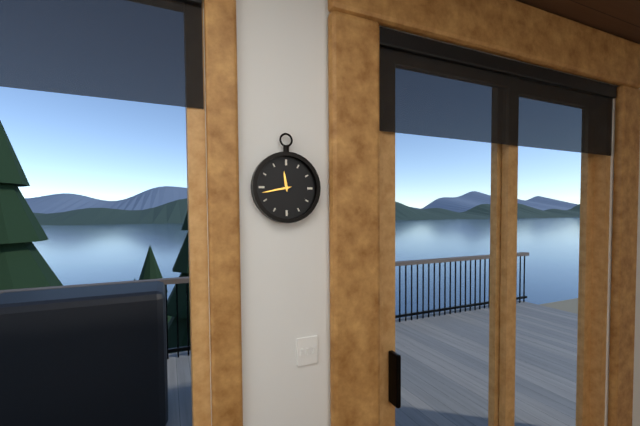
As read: h=11 m=43
